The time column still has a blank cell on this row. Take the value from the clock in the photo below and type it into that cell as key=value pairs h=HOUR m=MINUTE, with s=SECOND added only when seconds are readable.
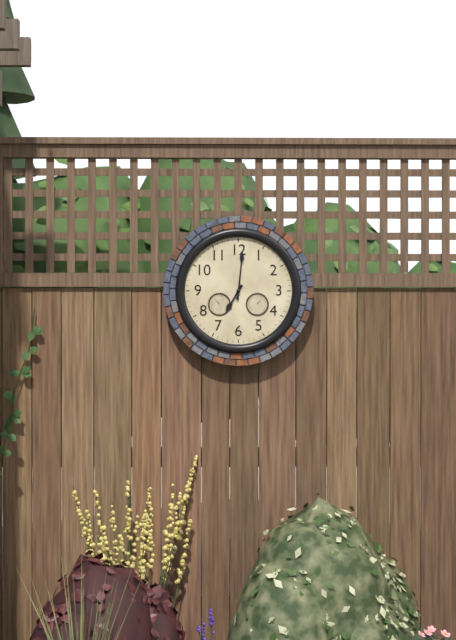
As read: h=7 m=1
